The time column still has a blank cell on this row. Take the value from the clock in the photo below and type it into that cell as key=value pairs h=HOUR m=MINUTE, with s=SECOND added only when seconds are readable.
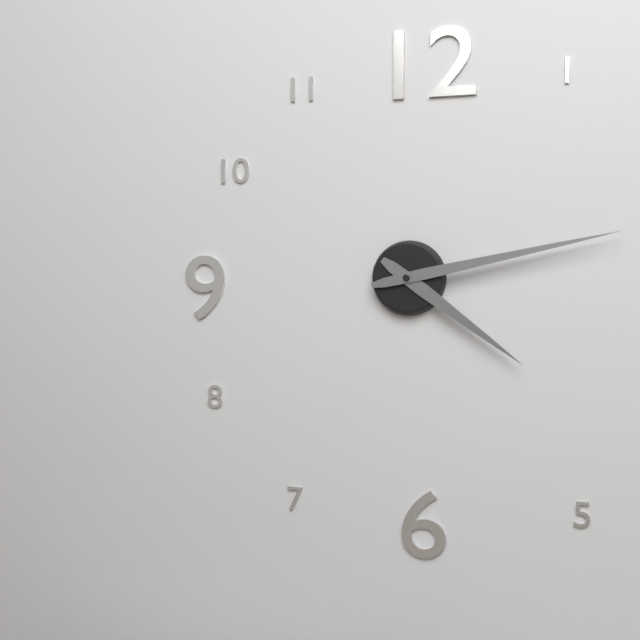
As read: h=4 m=13
